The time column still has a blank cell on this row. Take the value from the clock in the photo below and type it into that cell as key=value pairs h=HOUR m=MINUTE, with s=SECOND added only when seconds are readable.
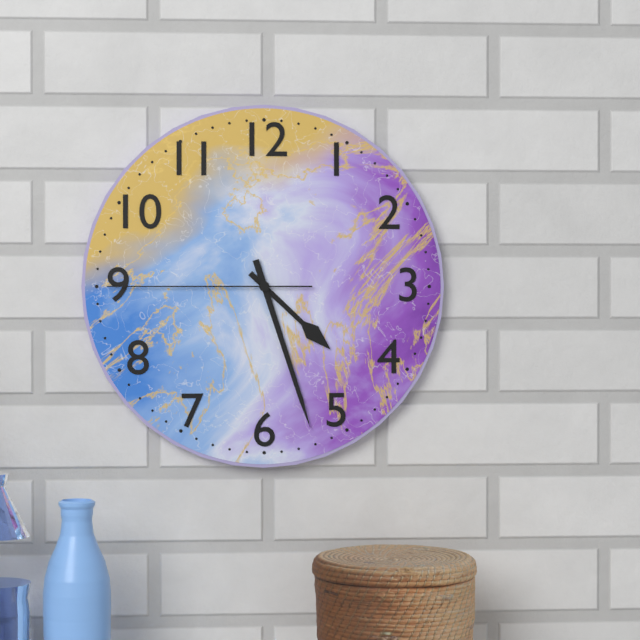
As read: h=4 m=27 s=45
